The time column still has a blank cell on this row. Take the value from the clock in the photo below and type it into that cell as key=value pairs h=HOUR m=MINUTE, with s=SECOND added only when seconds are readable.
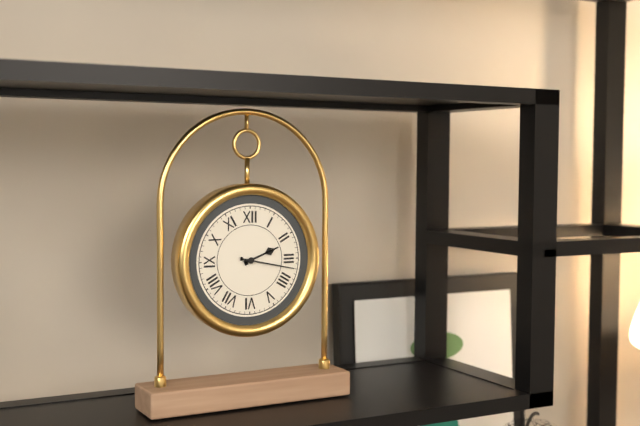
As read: h=2 m=17
